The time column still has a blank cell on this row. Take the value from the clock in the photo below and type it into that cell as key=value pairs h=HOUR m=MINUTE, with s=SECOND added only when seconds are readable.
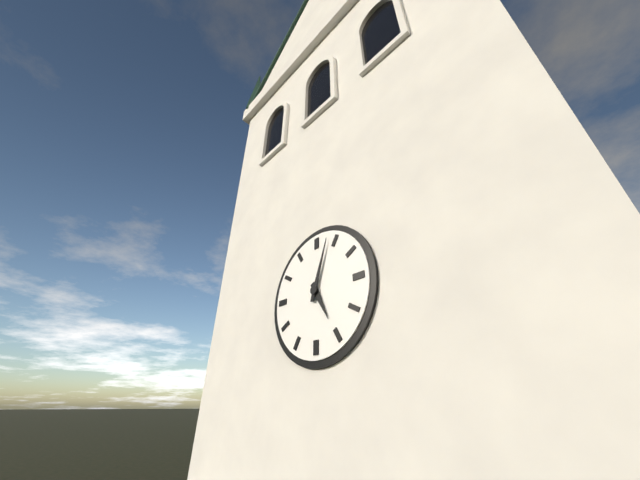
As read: h=5 m=3
